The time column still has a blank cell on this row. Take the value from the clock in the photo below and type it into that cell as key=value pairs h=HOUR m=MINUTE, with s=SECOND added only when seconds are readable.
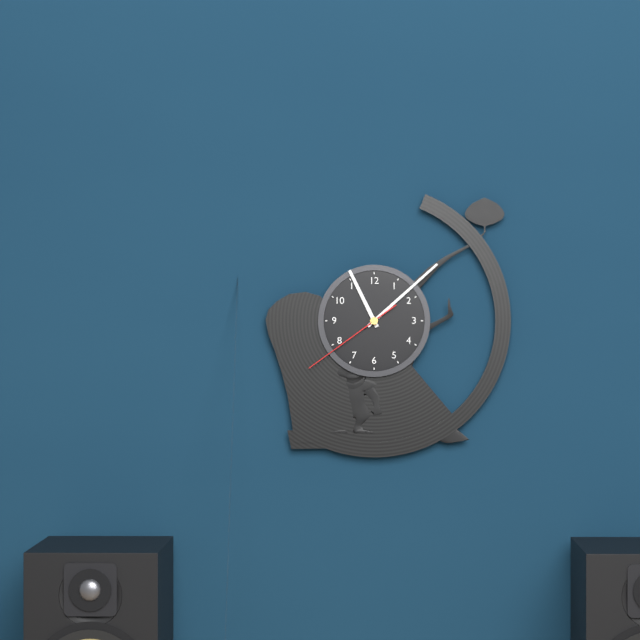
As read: h=11 m=8 s=39
